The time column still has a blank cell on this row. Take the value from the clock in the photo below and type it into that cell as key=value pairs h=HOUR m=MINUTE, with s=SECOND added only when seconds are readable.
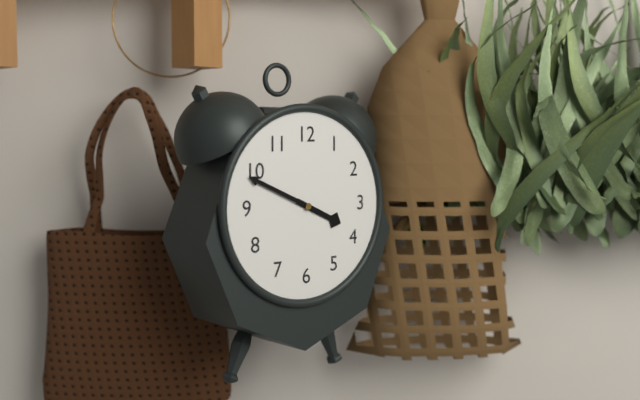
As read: h=3 m=49
